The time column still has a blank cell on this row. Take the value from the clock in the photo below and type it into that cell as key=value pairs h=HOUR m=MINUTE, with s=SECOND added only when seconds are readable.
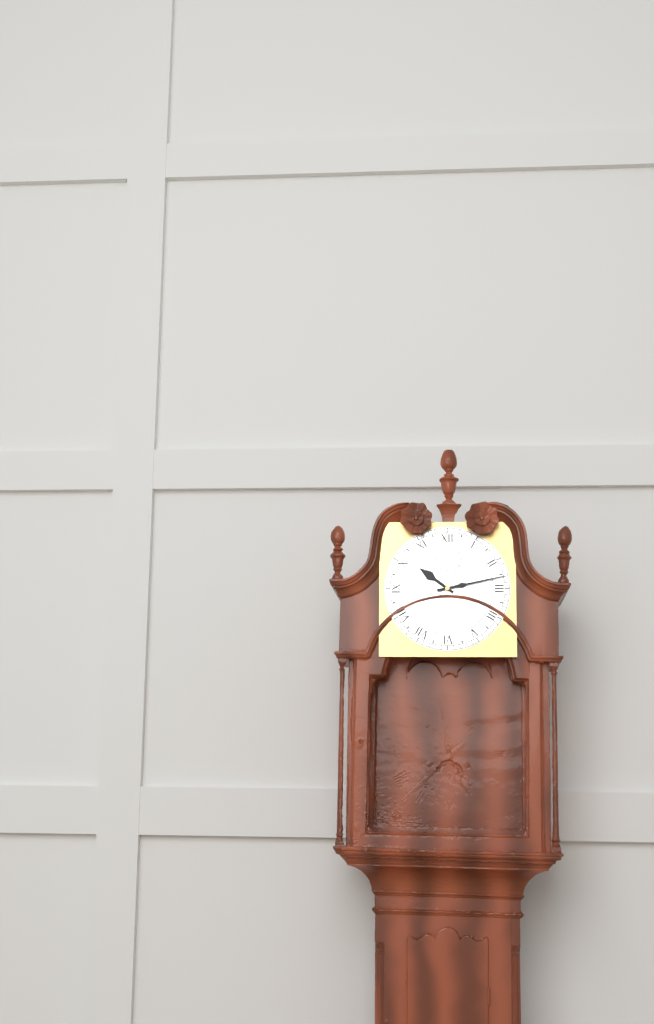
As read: h=10 m=13
